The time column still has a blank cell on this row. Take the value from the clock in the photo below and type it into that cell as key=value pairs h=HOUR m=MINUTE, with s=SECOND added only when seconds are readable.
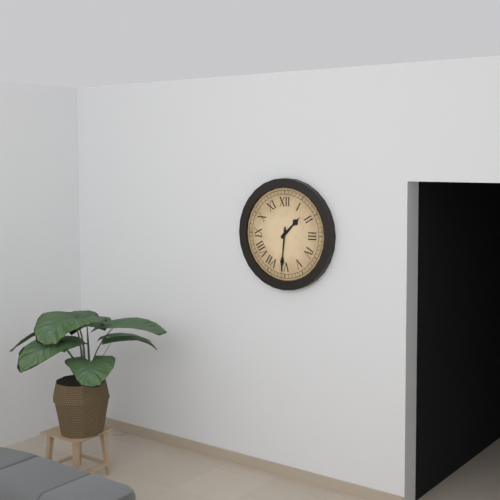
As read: h=1 m=31
